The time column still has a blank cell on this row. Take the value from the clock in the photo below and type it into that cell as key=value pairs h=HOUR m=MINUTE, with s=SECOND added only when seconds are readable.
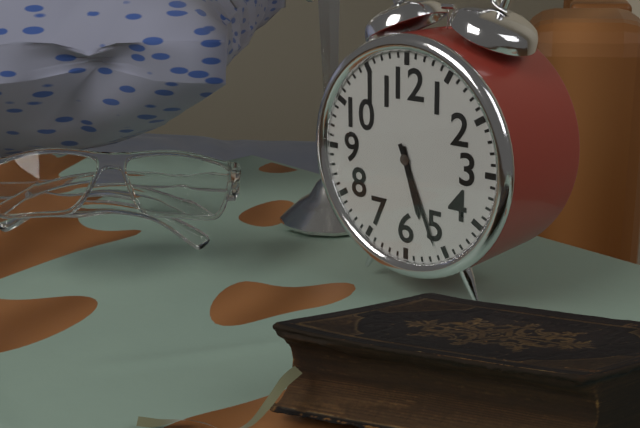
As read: h=5 m=26
